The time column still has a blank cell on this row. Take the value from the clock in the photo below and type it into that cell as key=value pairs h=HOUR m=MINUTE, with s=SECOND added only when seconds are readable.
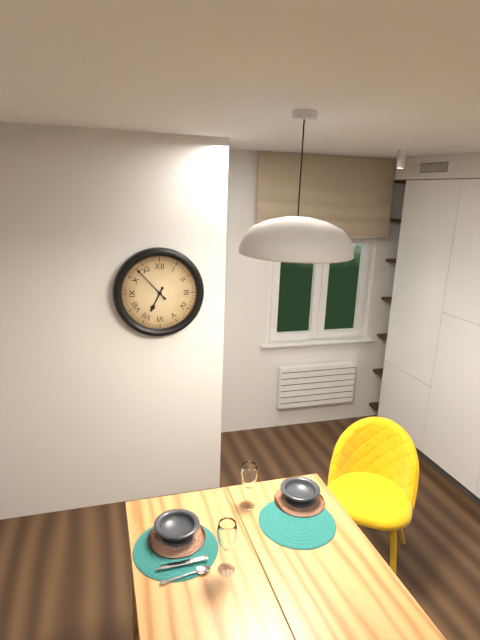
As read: h=6 m=53
